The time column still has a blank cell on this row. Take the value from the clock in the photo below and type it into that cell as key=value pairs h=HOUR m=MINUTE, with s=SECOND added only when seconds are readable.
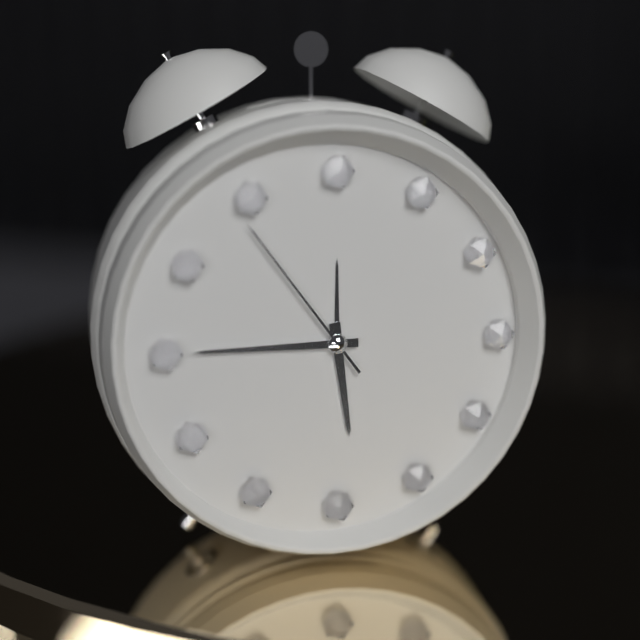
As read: h=5 m=45 s=54
